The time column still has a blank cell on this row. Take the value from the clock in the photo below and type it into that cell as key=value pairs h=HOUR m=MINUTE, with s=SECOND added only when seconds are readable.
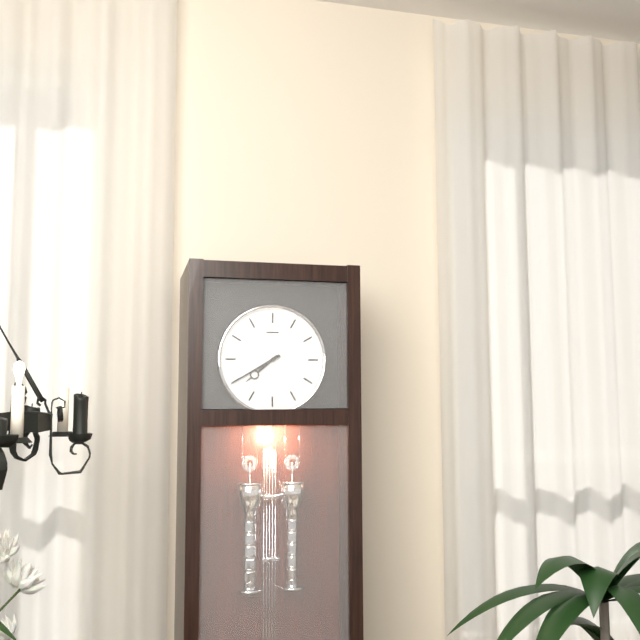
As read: h=7 m=40
